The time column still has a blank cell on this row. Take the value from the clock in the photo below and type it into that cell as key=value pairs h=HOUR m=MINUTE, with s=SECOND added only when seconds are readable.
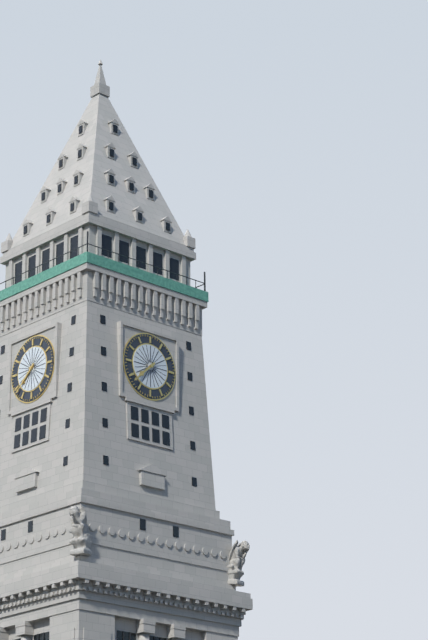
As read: h=7 m=38
